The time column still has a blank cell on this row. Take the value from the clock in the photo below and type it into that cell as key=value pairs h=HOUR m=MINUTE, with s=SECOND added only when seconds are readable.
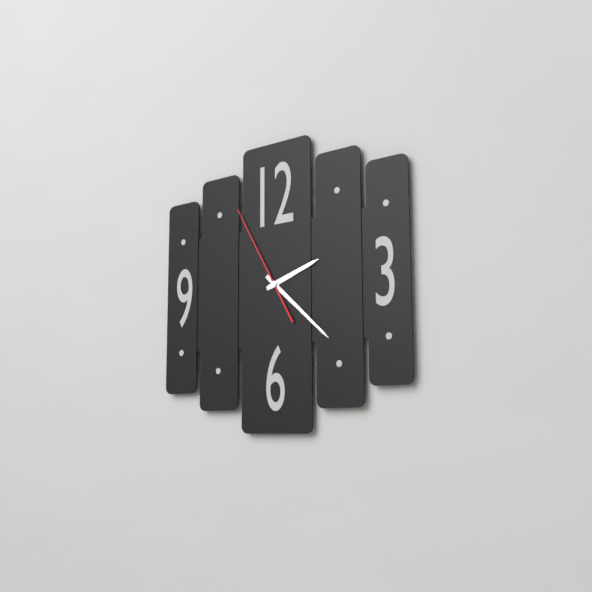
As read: h=2 m=22 s=55
